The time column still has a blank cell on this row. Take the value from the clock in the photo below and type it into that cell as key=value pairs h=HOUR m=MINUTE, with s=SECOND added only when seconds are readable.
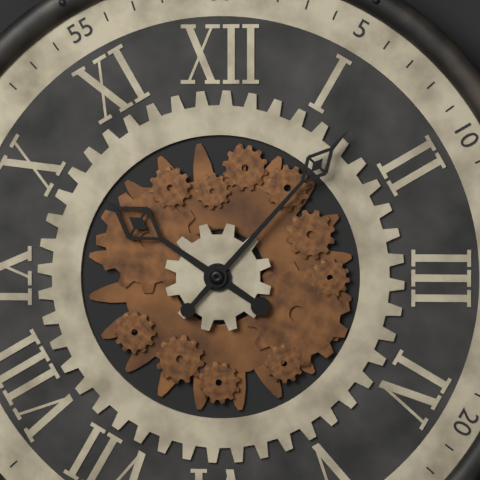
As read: h=10 m=7
